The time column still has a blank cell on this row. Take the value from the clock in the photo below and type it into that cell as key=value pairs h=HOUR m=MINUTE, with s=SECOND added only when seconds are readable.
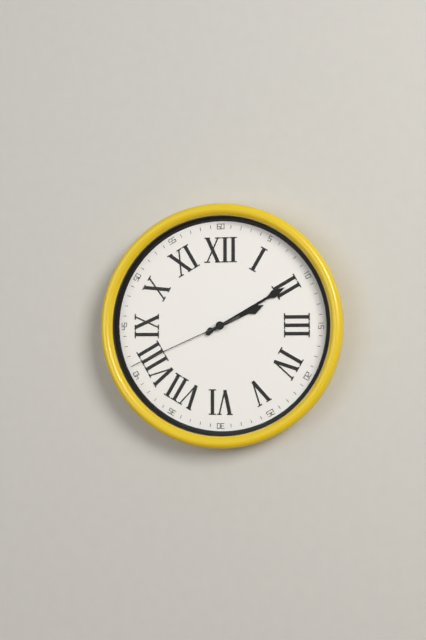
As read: h=2 m=10 s=41
